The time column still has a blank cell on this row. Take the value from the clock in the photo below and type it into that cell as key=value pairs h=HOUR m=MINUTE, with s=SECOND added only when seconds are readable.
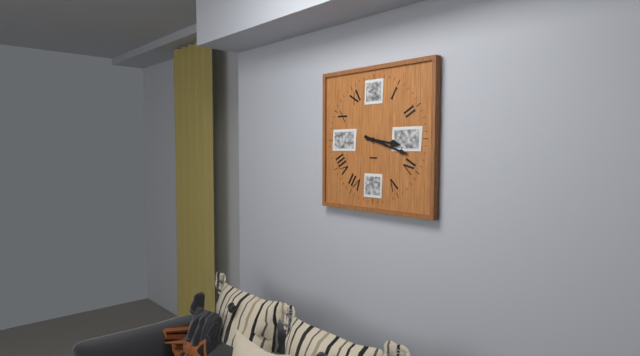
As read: h=3 m=18
